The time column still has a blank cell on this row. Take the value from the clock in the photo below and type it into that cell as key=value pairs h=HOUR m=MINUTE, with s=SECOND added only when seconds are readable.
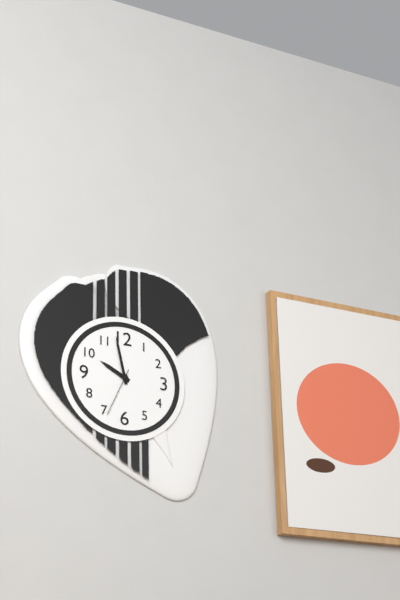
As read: h=9 m=58 s=34
